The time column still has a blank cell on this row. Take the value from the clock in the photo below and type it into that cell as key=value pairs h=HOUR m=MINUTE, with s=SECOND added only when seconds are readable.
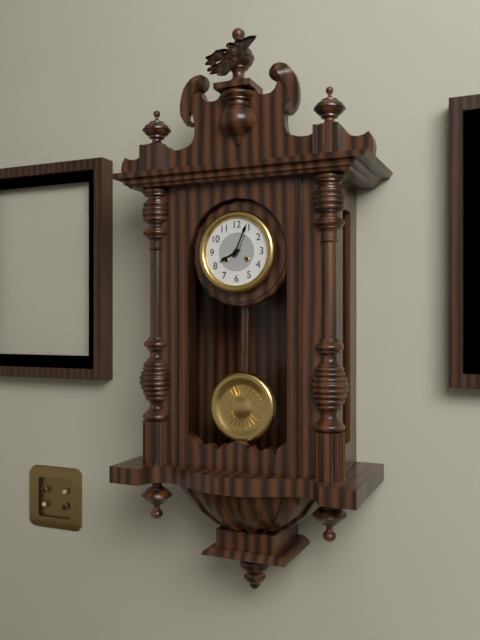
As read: h=8 m=4
